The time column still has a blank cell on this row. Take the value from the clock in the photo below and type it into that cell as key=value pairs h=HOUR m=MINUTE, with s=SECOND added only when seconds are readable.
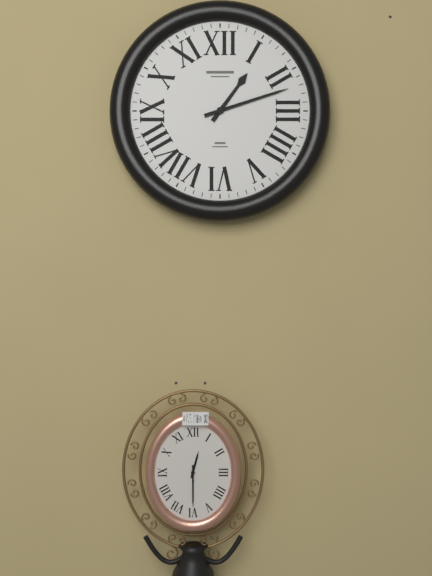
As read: h=1 m=12
